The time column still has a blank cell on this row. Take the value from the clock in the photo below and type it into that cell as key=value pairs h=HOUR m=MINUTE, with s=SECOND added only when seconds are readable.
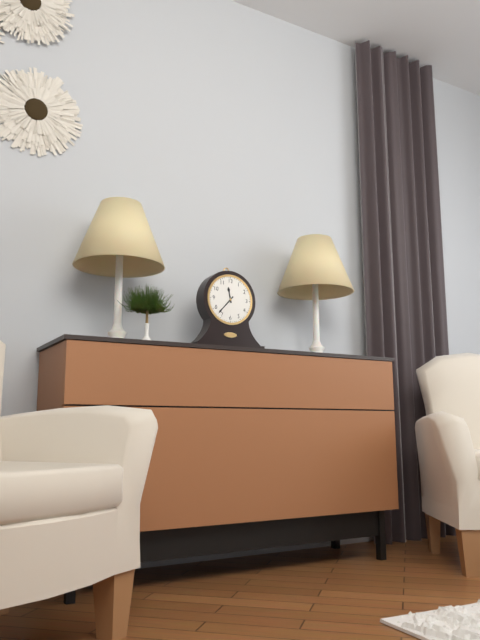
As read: h=11 m=37
